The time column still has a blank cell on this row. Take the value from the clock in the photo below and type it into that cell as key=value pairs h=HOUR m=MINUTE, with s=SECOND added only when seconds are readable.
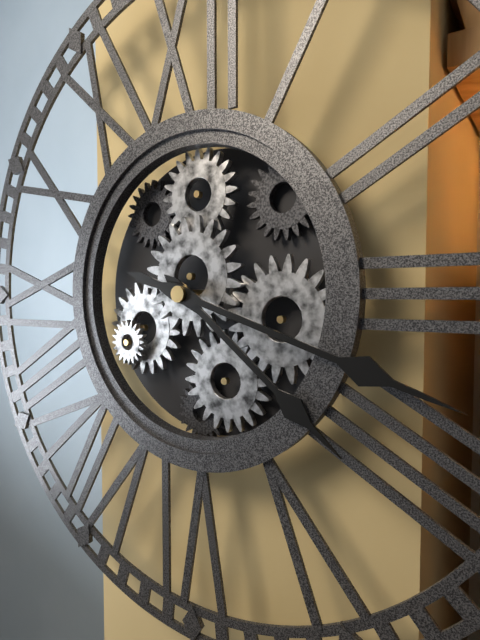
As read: h=4 m=18
